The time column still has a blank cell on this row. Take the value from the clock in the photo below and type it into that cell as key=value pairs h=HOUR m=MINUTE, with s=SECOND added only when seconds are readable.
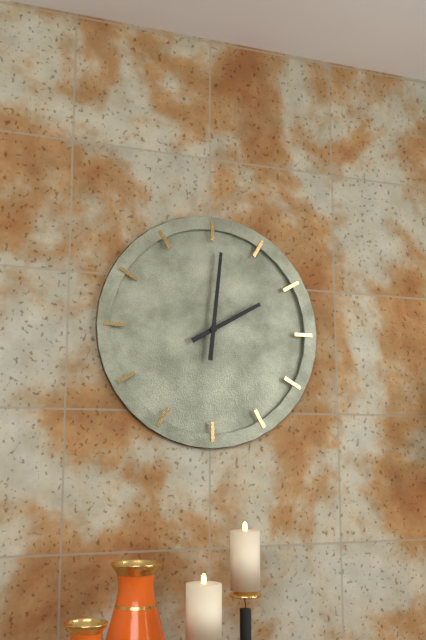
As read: h=2 m=1
